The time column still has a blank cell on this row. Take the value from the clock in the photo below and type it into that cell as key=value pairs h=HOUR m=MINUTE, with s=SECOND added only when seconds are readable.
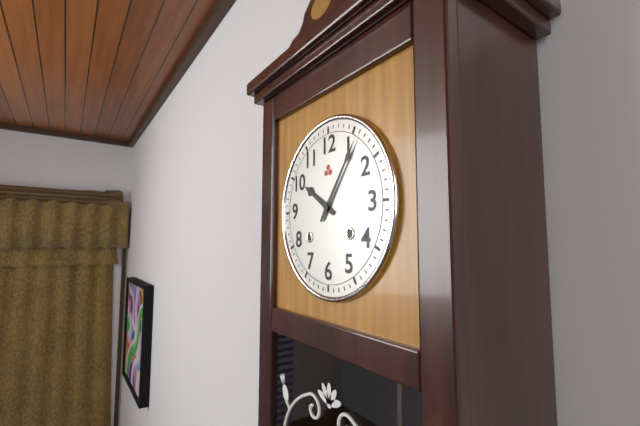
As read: h=10 m=6
